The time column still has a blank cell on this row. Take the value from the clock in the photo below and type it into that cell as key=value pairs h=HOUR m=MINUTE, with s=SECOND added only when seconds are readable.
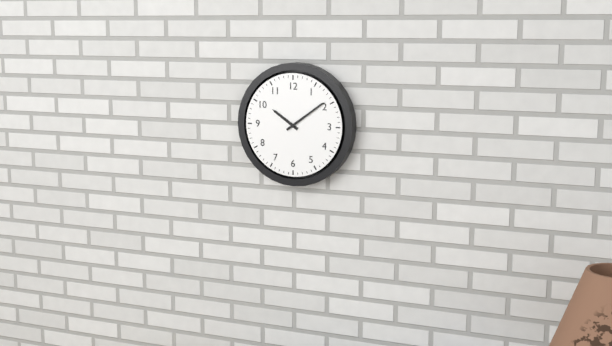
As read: h=10 m=9
